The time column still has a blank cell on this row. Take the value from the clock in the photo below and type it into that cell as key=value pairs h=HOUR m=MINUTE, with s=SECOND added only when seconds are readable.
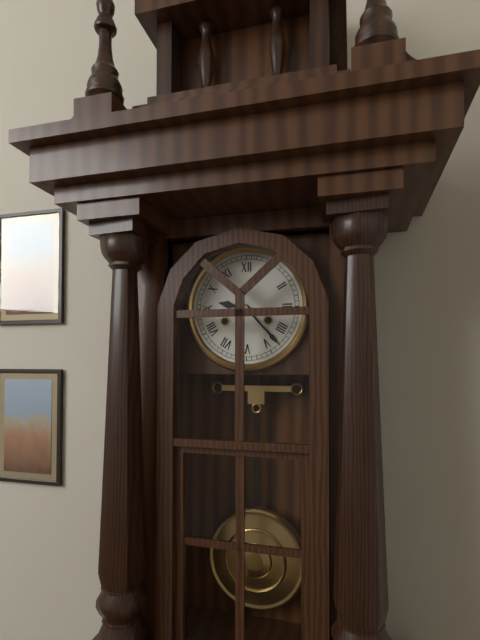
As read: h=9 m=23
